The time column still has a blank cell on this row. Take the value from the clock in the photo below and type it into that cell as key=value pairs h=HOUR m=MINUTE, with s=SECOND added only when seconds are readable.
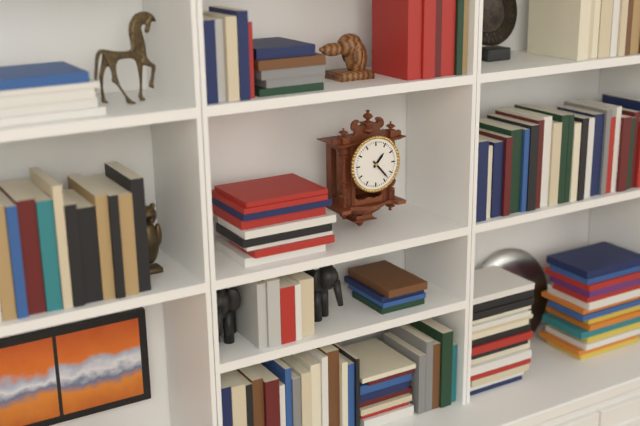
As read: h=1 m=23
